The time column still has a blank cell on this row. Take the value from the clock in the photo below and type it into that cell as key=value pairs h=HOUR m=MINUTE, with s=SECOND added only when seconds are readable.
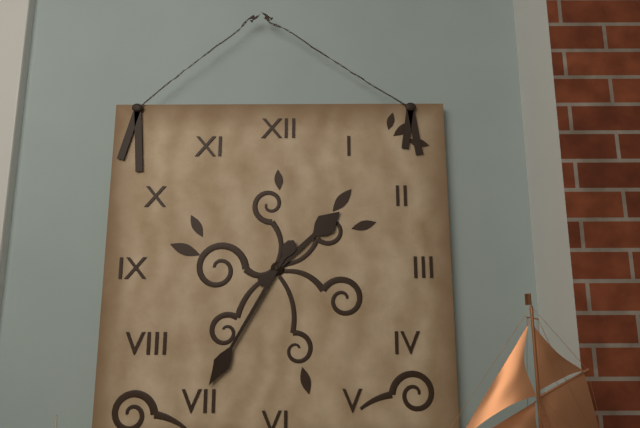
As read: h=1 m=35
